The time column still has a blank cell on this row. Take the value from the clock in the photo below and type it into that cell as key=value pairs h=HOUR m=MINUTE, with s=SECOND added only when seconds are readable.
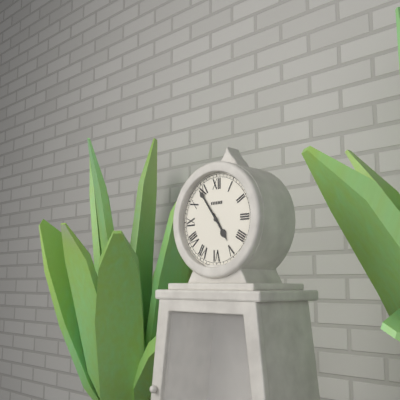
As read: h=4 m=54
